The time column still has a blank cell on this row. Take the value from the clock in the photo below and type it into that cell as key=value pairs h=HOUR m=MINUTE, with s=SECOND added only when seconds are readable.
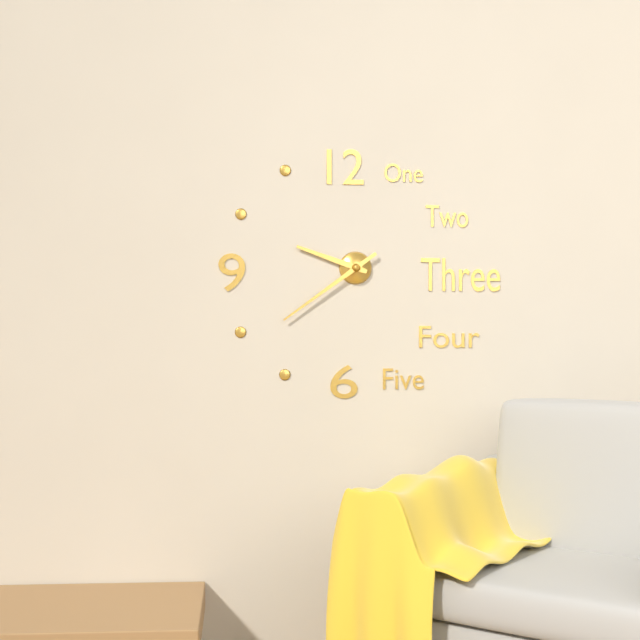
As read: h=9 m=39
